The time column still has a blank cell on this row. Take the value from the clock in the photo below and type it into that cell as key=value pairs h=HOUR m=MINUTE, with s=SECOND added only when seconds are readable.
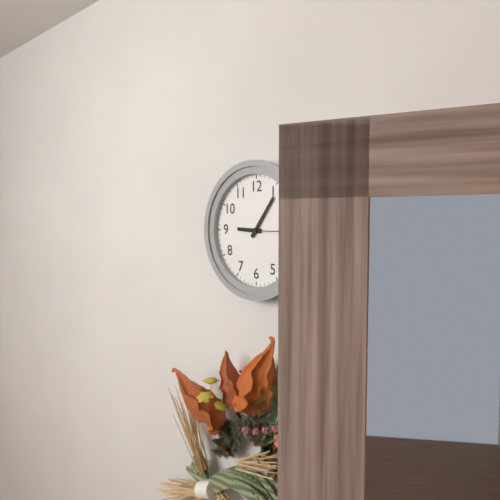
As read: h=9 m=6
